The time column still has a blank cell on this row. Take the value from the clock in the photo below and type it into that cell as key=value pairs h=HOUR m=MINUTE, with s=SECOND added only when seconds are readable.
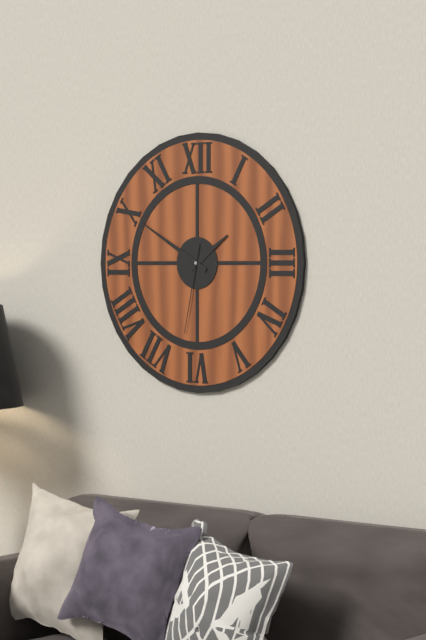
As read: h=1 m=50 s=32
